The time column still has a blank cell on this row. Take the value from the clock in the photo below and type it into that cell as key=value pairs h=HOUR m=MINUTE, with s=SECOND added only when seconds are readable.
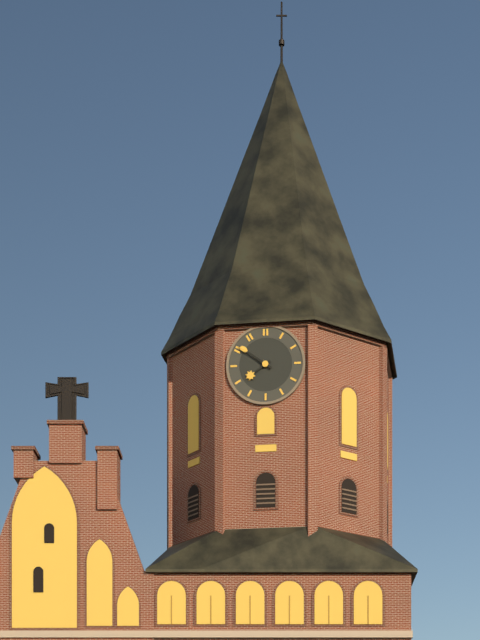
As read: h=7 m=51
